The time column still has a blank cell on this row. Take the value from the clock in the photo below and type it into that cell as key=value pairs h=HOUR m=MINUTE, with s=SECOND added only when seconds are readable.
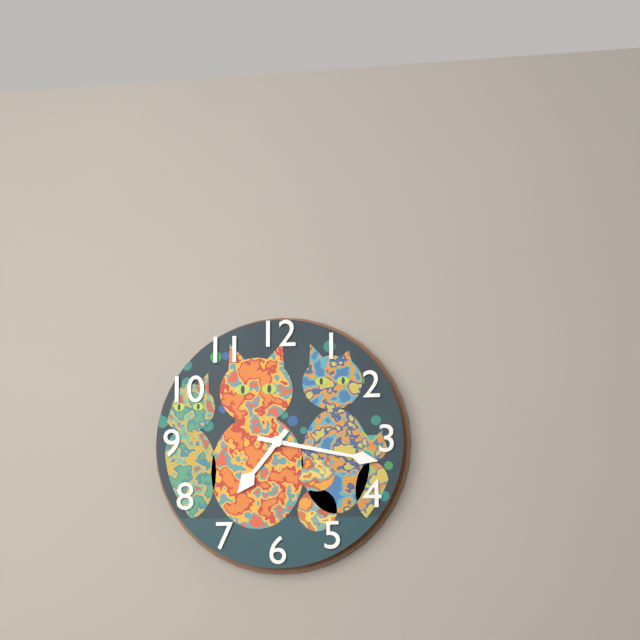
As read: h=7 m=17
